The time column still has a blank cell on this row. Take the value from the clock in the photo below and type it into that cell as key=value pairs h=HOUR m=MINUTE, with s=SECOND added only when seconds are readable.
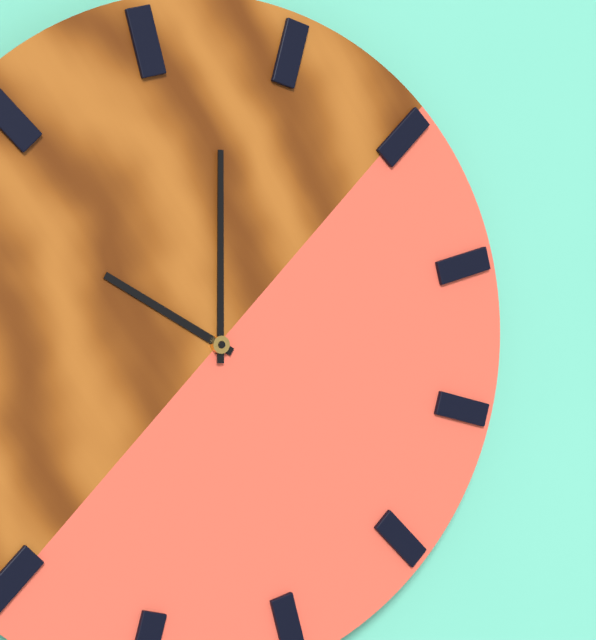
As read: h=10 m=0
